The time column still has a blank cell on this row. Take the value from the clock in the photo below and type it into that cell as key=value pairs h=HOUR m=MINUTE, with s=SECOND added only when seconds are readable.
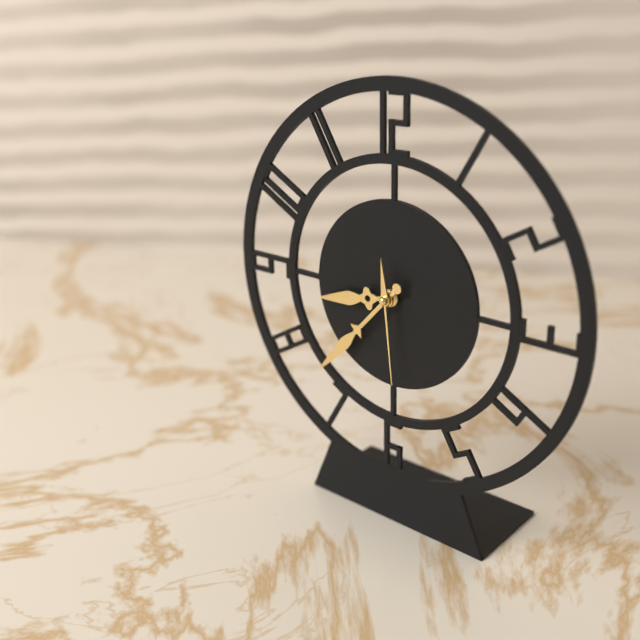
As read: h=8 m=37 s=29
